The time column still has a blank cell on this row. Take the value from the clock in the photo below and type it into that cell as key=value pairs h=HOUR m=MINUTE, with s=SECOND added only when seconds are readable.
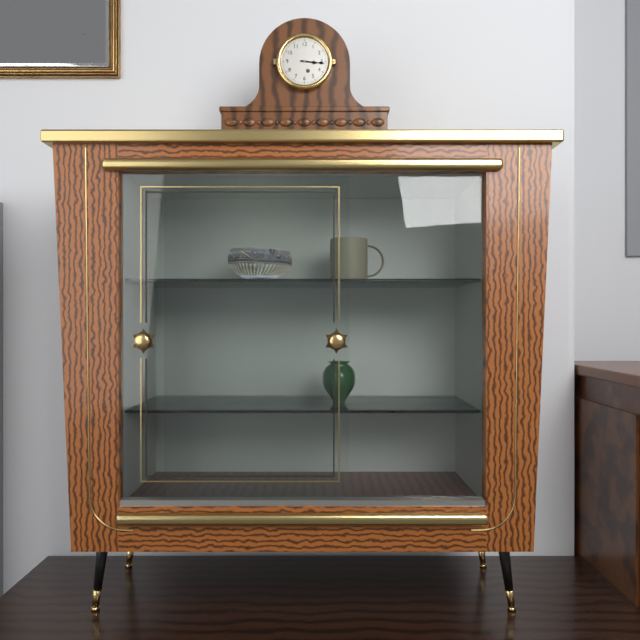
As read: h=3 m=16
